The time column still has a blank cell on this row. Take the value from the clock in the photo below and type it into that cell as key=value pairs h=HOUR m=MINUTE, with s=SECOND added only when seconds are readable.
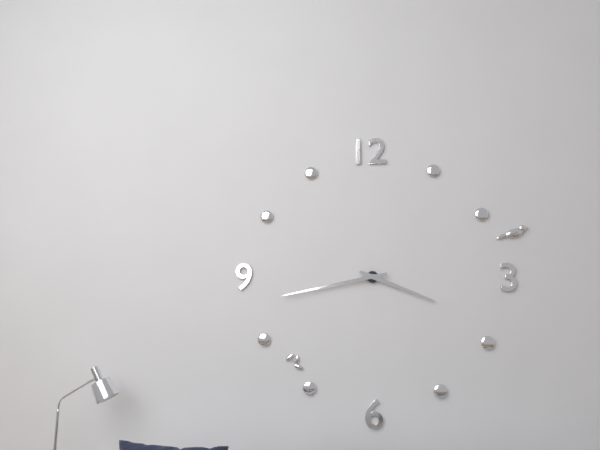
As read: h=3 m=43
